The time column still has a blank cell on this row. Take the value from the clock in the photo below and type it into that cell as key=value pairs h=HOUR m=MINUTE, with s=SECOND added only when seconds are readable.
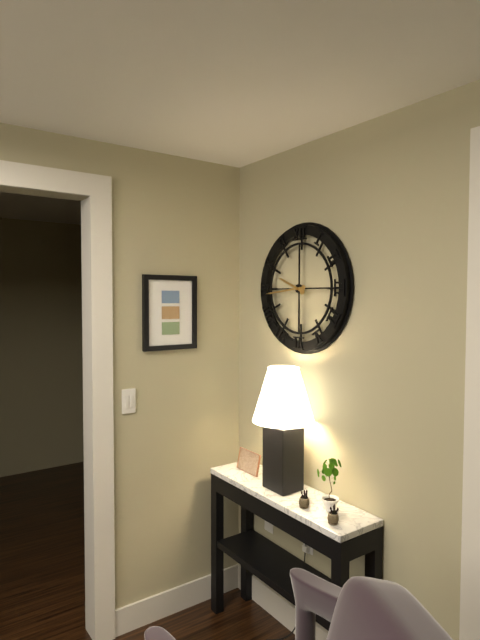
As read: h=9 m=44
